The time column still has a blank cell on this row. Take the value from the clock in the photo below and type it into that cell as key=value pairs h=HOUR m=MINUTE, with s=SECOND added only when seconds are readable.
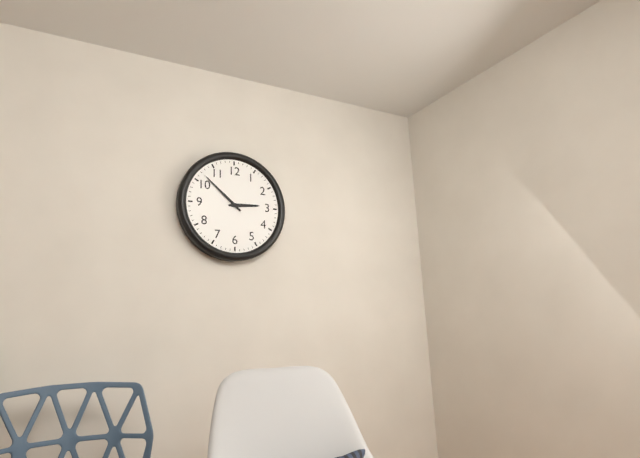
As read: h=2 m=52
